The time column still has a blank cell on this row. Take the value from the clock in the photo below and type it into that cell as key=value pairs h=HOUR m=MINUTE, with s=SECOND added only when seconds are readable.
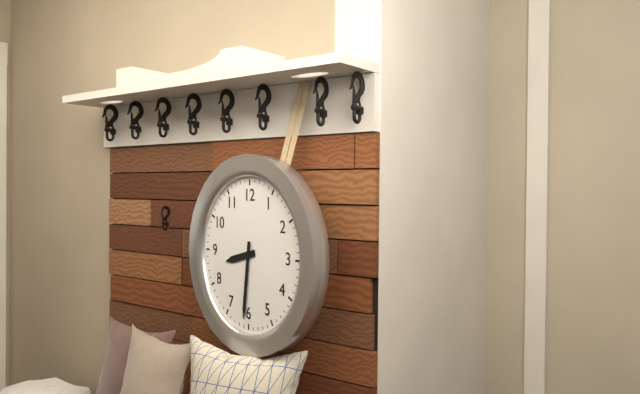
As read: h=8 m=31
